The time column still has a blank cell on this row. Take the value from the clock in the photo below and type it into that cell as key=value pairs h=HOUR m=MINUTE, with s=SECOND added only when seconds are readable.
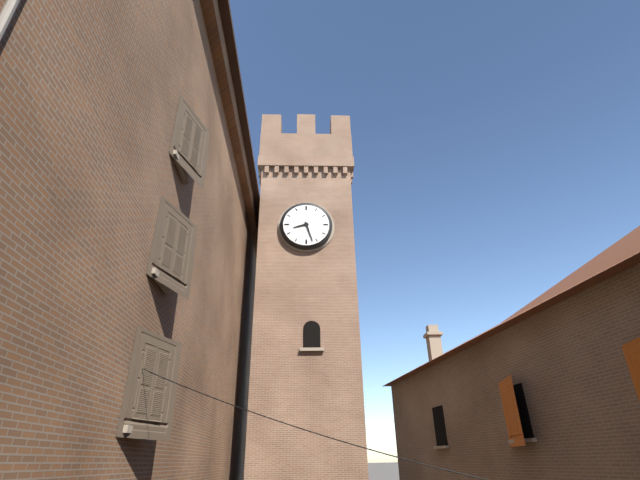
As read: h=8 m=27
